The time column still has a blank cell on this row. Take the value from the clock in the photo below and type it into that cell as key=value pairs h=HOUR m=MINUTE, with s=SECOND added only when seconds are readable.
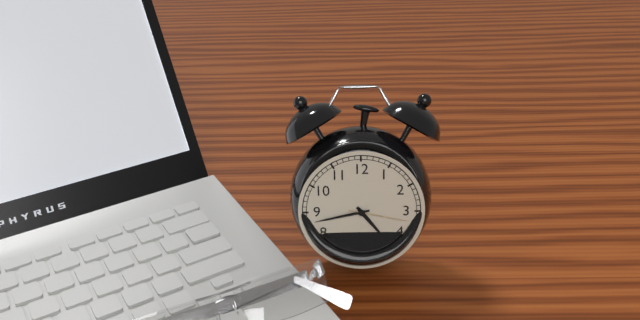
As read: h=4 m=43 s=17
